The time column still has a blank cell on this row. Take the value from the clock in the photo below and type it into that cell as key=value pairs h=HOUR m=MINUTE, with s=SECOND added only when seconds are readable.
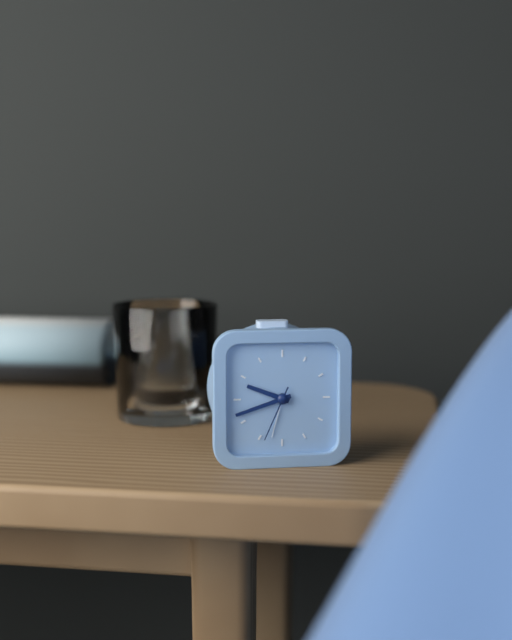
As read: h=9 m=42 s=34
